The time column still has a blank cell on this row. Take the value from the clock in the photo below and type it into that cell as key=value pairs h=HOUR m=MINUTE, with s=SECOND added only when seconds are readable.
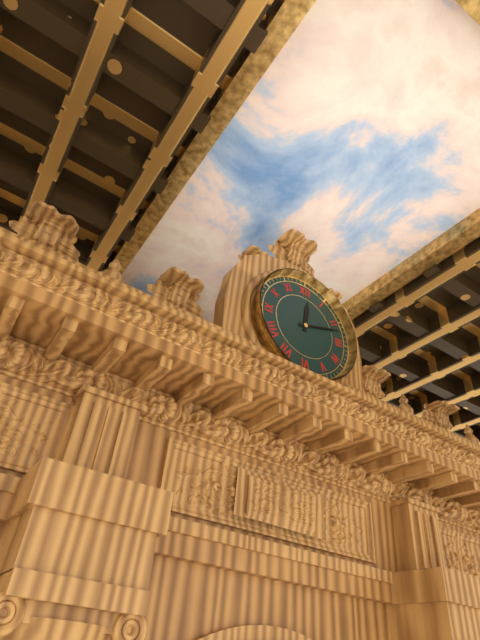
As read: h=12 m=12
